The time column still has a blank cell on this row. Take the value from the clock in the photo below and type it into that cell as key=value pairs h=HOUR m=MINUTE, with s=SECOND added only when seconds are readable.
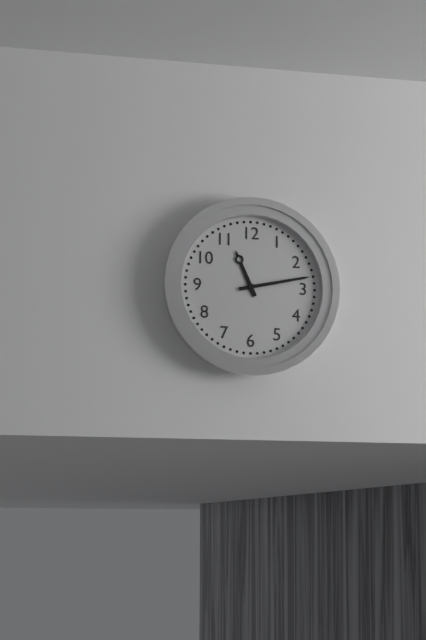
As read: h=11 m=13
